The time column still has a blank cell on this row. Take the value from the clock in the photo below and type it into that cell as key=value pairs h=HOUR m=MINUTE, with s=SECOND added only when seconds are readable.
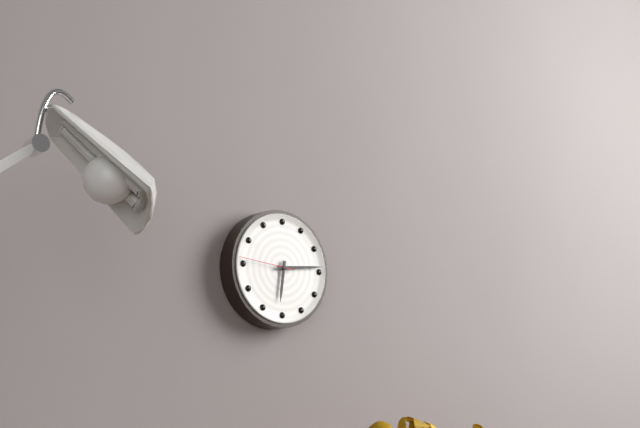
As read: h=6 m=14
